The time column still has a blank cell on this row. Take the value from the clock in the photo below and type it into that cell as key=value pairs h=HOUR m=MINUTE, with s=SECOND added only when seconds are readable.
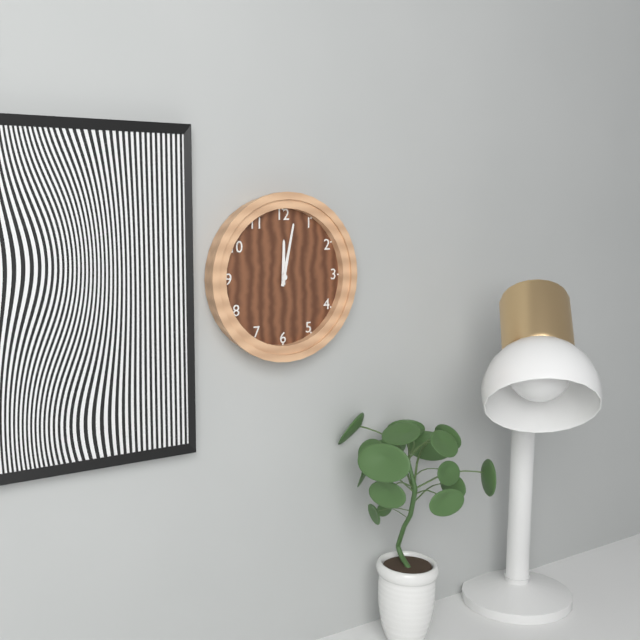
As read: h=12 m=2
